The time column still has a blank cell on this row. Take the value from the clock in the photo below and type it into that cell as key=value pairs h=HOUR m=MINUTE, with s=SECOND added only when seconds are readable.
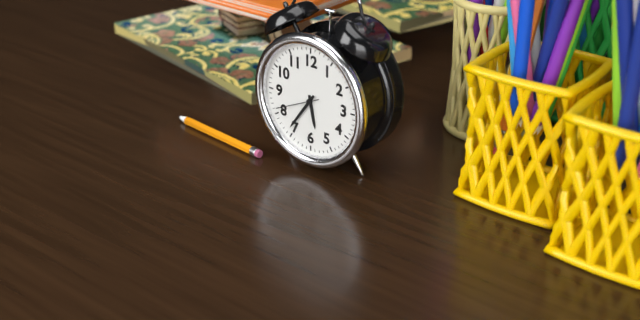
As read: h=5 m=36
